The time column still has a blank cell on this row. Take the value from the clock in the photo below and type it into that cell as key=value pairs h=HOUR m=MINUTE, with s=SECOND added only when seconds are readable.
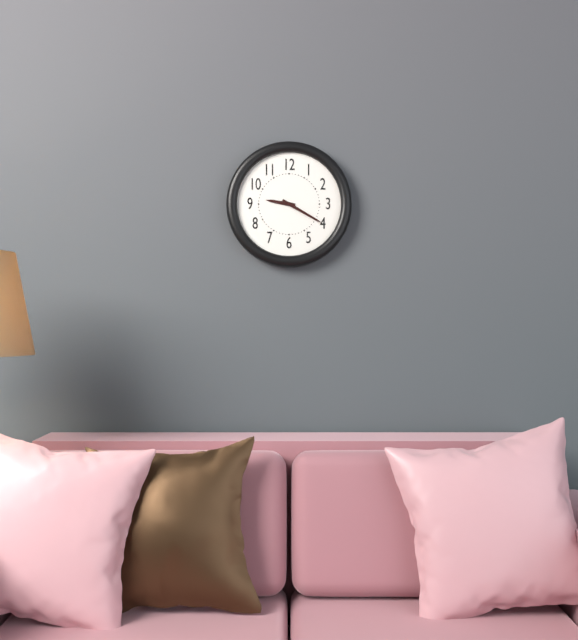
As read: h=9 m=20
